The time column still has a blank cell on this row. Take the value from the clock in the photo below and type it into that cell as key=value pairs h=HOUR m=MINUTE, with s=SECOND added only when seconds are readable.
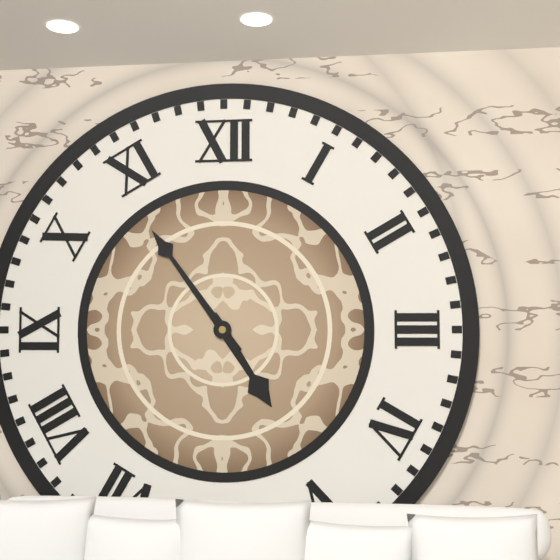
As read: h=4 m=54
